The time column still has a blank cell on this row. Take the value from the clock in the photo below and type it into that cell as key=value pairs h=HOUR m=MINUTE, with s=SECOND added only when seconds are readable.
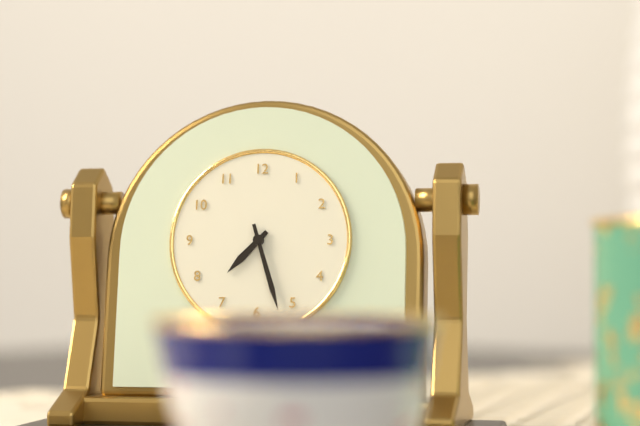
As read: h=7 m=27
